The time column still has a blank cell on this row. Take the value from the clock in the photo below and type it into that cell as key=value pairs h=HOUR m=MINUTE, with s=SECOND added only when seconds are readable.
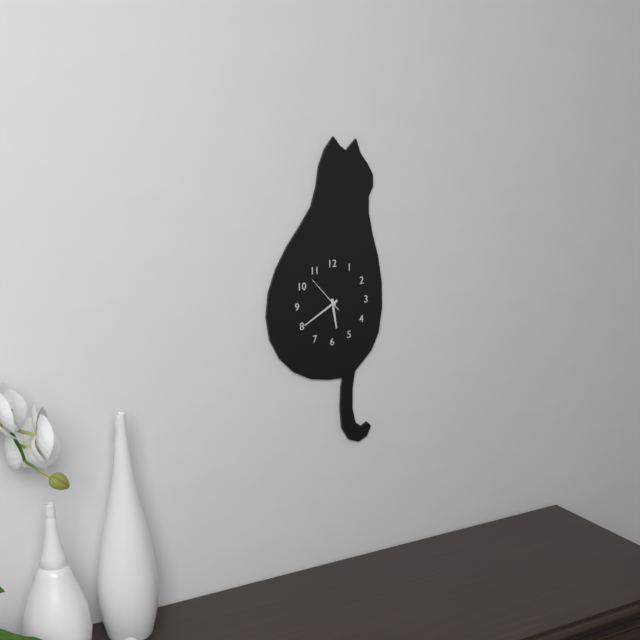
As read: h=5 m=40
